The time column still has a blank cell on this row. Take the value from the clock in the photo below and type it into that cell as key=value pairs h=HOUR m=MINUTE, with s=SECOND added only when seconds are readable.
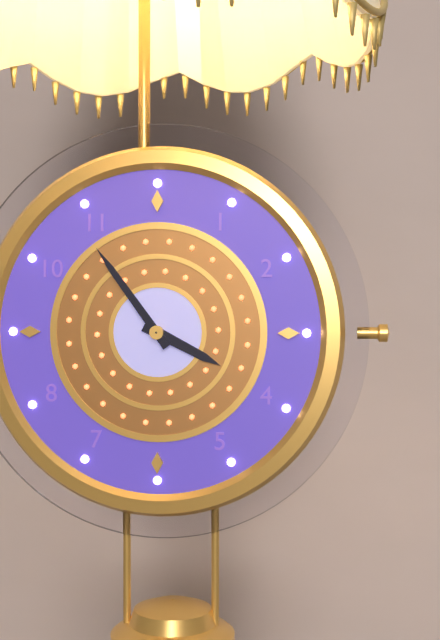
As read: h=3 m=54
